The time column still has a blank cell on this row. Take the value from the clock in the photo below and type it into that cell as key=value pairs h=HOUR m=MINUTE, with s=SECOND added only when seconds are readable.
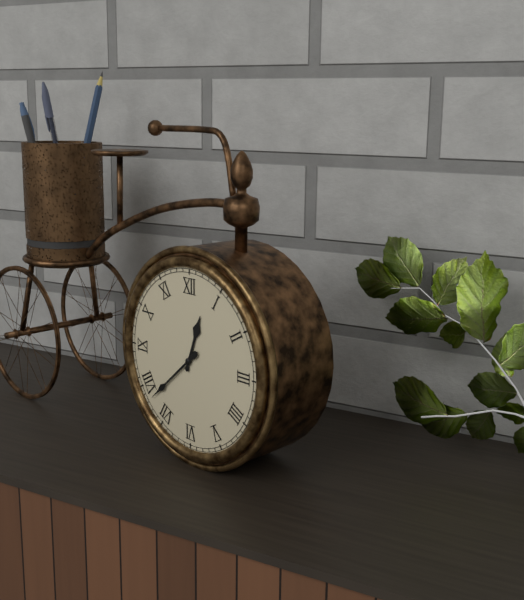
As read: h=12 m=38
